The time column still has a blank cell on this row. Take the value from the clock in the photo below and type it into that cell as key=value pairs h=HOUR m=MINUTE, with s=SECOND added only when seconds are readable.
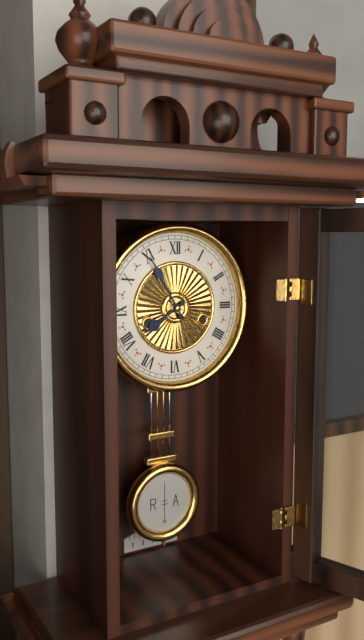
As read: h=7 m=55
